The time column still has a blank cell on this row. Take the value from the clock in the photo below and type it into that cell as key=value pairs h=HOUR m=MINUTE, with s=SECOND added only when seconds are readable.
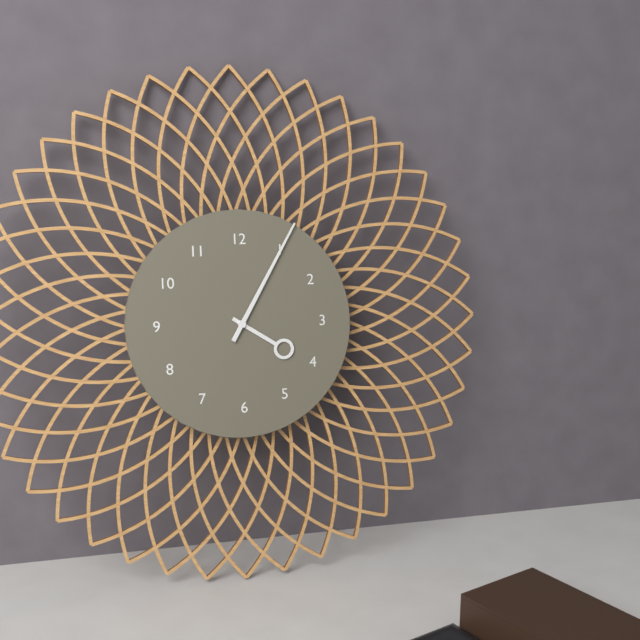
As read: h=4 m=5
